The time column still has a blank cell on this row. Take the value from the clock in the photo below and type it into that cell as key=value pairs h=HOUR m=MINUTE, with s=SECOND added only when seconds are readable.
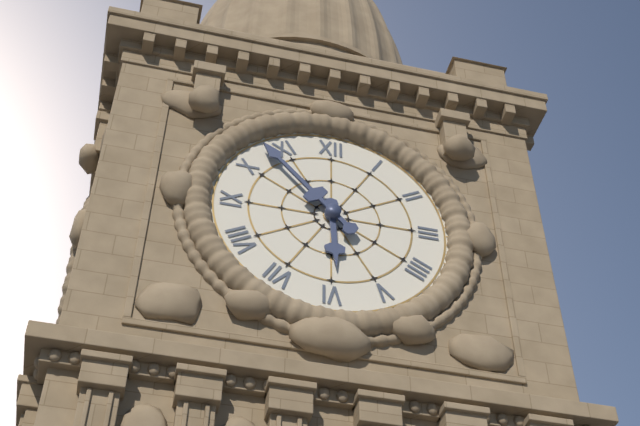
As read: h=5 m=53
